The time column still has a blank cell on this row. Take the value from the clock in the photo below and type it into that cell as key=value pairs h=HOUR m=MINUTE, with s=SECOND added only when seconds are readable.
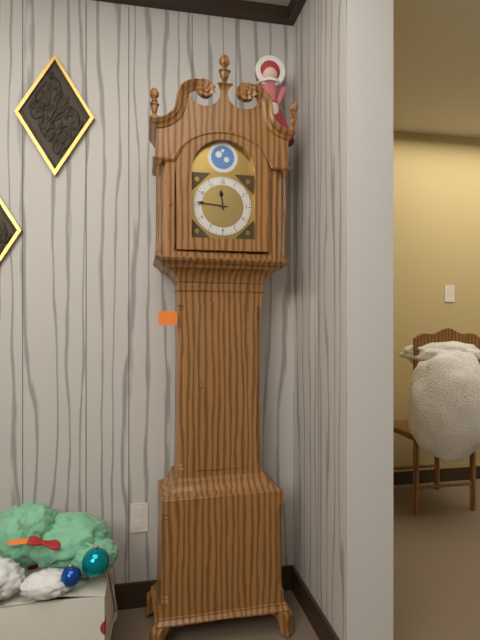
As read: h=11 m=46
